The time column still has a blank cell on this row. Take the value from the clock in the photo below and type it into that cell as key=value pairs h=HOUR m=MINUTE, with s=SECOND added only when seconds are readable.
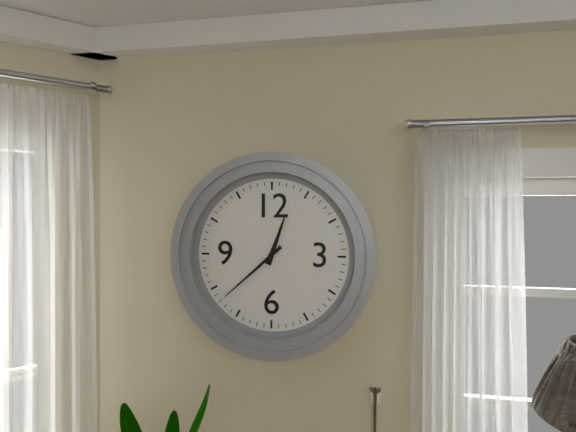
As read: h=12 m=38
